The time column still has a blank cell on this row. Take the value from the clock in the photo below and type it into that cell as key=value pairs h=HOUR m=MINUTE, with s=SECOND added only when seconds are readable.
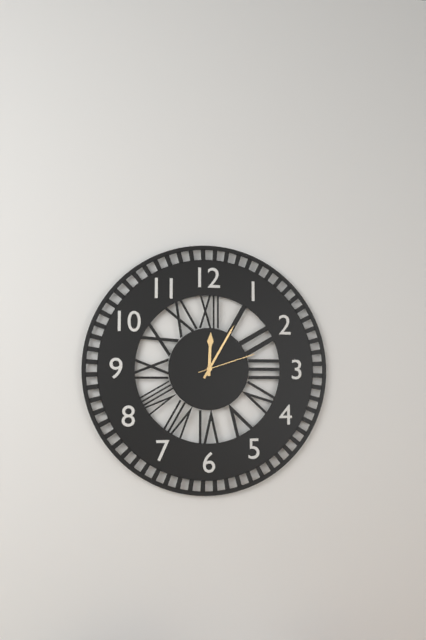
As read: h=12 m=5 s=12
